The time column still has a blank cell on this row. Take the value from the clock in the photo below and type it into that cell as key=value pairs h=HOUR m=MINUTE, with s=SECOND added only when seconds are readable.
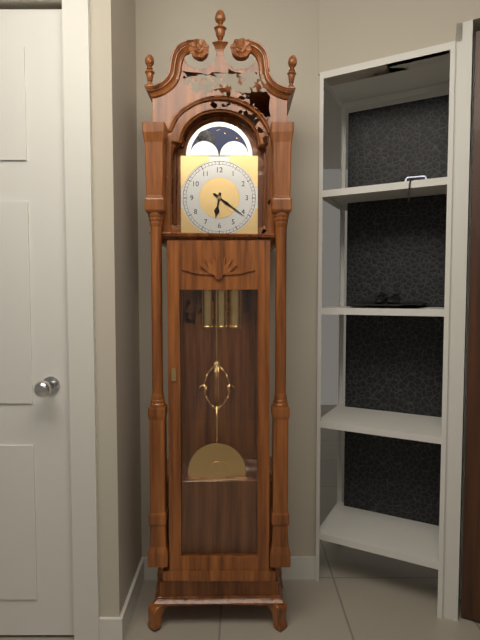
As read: h=6 m=21
